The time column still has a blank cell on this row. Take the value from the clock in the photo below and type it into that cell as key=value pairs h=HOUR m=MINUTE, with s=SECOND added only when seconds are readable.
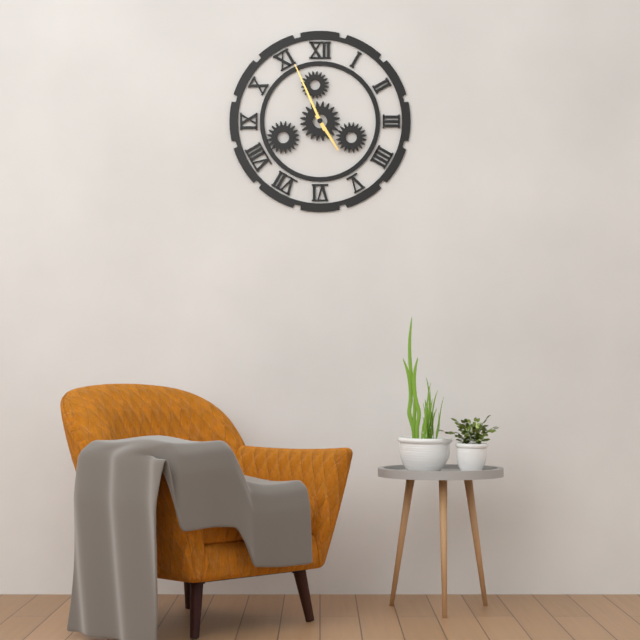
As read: h=4 m=56
